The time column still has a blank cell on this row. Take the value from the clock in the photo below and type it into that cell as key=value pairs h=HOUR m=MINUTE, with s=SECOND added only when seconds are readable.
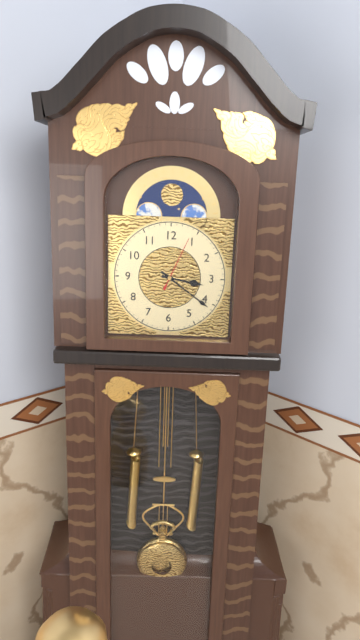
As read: h=3 m=21 s=4
